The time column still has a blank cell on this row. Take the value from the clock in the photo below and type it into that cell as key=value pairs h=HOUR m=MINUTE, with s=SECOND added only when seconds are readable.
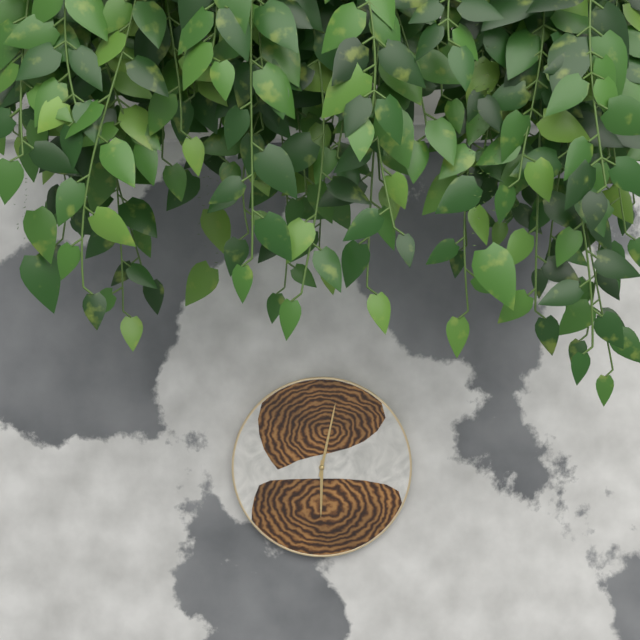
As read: h=6 m=2
